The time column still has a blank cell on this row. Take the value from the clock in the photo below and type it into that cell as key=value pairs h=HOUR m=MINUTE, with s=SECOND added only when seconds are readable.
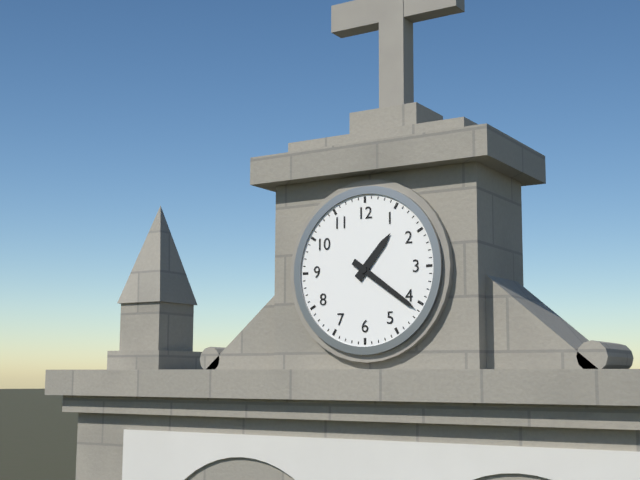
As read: h=1 m=21
